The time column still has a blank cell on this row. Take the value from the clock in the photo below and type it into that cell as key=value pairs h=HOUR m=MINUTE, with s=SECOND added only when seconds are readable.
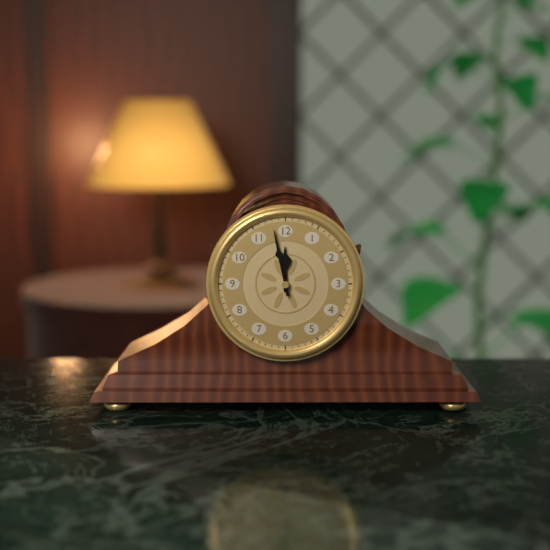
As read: h=11 m=58
